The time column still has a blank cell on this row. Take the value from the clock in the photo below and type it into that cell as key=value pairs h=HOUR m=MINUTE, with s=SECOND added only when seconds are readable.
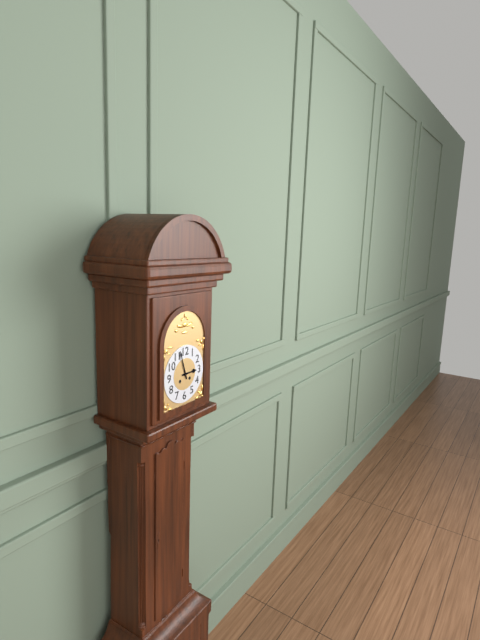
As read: h=2 m=57
